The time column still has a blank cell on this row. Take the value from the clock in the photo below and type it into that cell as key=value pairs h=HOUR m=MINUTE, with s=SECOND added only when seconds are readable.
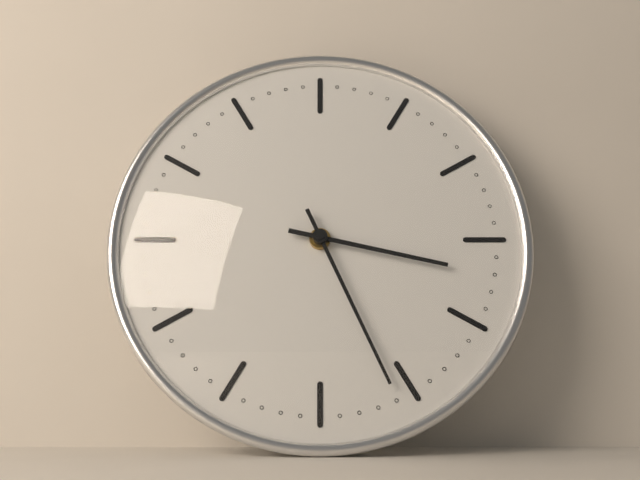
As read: h=3 m=26
